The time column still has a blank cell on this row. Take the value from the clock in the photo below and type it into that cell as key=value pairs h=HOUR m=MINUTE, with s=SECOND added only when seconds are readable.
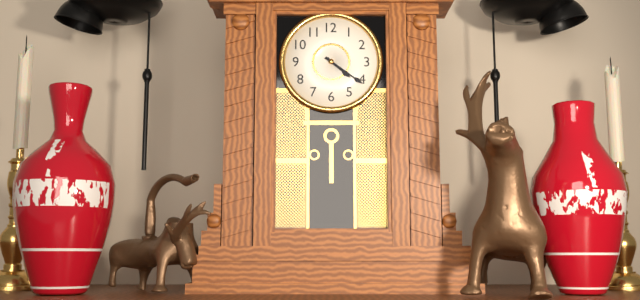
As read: h=4 m=21
